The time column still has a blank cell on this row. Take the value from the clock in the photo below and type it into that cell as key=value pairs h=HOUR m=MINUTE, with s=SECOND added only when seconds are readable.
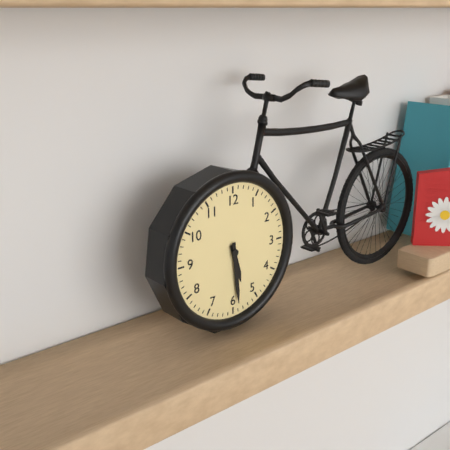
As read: h=5 m=29
